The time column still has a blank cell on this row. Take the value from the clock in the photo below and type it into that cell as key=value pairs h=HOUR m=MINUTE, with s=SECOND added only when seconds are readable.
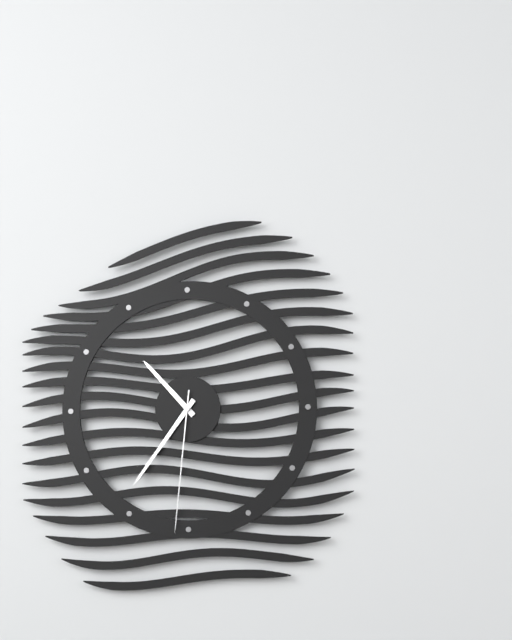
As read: h=10 m=36 s=31
